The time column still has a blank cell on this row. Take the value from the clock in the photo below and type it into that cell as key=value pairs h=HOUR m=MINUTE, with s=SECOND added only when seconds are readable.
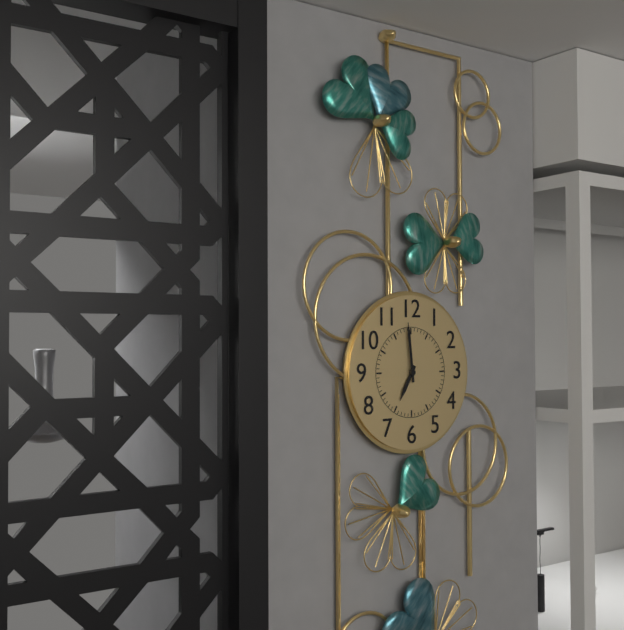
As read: h=6 m=59
